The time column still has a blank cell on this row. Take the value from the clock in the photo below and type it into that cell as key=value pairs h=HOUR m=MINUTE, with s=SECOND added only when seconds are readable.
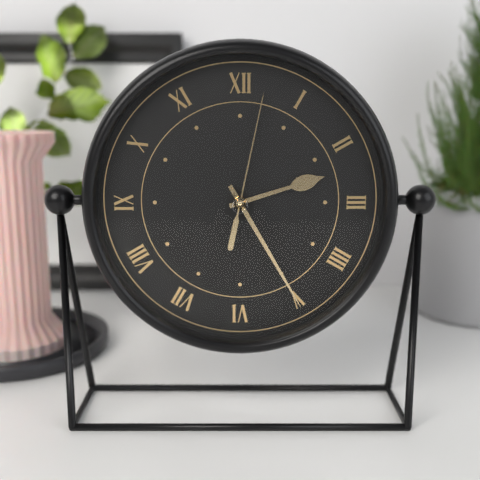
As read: h=2 m=25 s=2
